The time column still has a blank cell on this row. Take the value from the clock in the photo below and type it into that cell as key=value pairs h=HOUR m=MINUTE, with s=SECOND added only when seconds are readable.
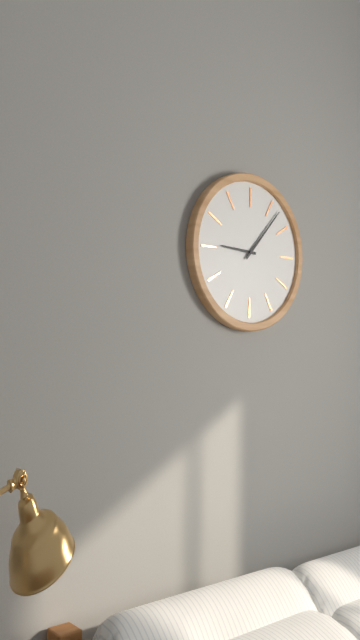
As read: h=9 m=7
